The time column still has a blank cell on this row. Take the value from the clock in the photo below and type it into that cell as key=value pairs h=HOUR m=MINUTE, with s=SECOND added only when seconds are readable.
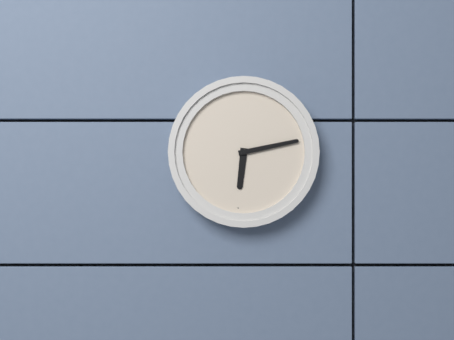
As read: h=6 m=13
